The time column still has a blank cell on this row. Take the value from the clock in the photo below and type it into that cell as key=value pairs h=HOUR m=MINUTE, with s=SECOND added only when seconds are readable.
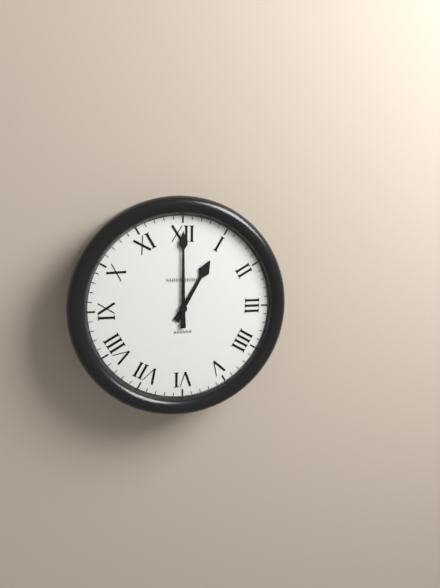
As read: h=1 m=0
